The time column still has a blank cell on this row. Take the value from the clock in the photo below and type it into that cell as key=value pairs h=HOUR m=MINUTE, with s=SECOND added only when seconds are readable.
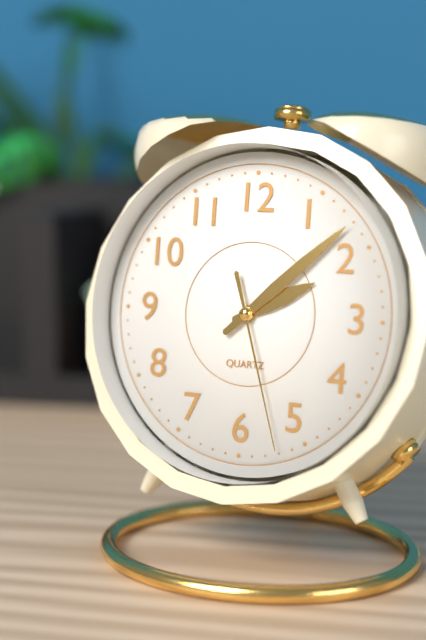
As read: h=2 m=8 s=27
